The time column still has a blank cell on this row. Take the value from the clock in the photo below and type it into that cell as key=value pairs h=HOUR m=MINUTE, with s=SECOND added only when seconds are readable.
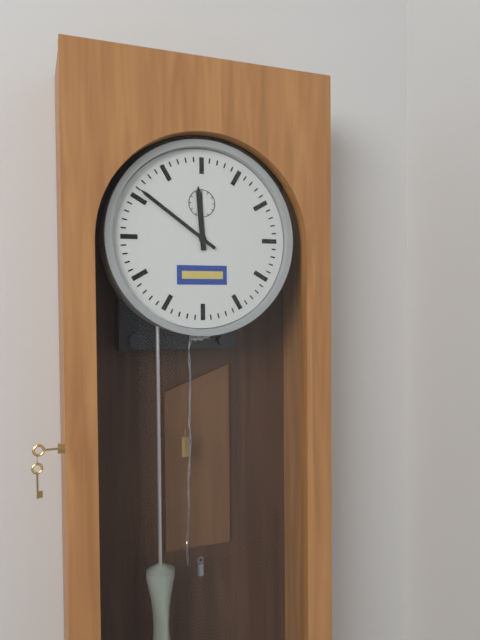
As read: h=11 m=51
